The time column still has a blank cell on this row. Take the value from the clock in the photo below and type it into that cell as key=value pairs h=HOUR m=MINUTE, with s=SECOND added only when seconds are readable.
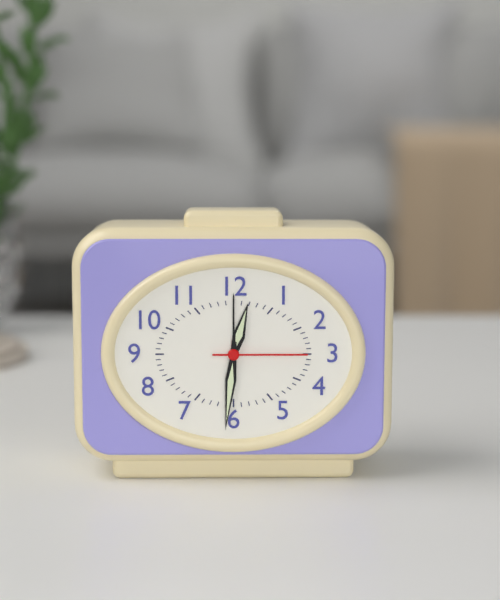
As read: h=12 m=31 s=15
